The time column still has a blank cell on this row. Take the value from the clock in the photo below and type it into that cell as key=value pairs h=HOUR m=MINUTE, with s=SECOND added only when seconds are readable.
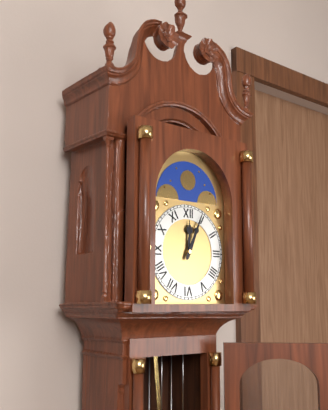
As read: h=12 m=4
